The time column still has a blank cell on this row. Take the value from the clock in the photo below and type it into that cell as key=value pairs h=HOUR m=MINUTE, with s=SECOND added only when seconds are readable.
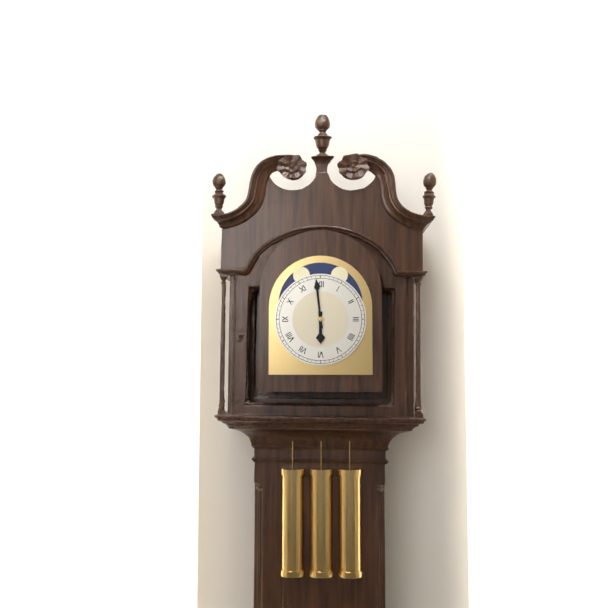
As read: h=5 m=59
